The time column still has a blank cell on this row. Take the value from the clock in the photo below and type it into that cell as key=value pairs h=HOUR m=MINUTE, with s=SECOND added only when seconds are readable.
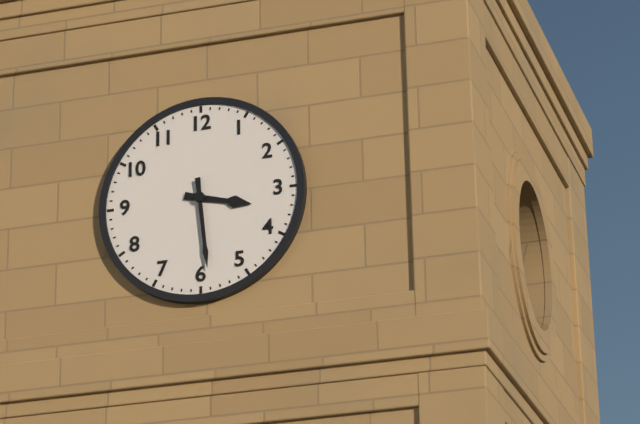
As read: h=3 m=29
